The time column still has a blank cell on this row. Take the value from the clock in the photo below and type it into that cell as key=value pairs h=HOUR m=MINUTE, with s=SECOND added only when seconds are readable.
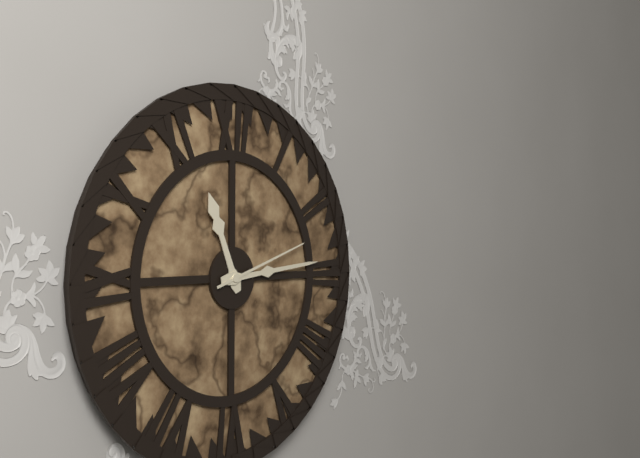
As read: h=11 m=14 s=12
